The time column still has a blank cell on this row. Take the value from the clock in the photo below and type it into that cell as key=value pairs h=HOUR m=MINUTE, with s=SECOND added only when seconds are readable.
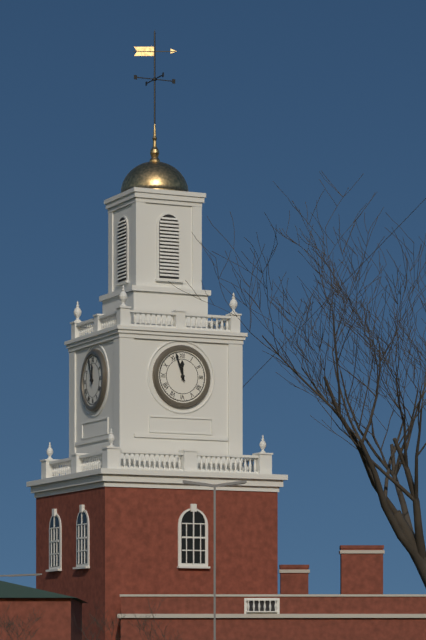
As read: h=11 m=57
